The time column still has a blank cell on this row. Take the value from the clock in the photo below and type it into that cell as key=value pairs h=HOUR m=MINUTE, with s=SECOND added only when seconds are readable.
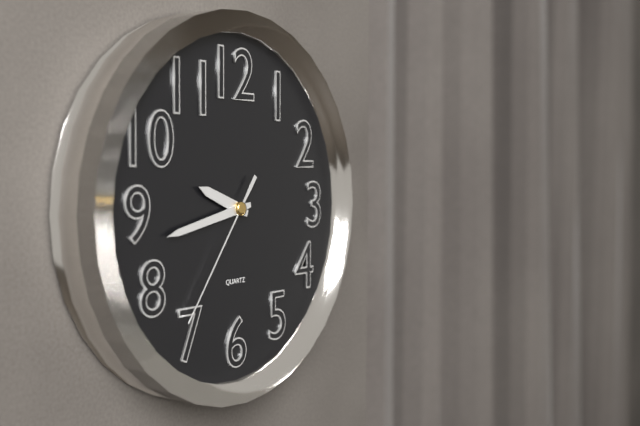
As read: h=9 m=43 s=36
